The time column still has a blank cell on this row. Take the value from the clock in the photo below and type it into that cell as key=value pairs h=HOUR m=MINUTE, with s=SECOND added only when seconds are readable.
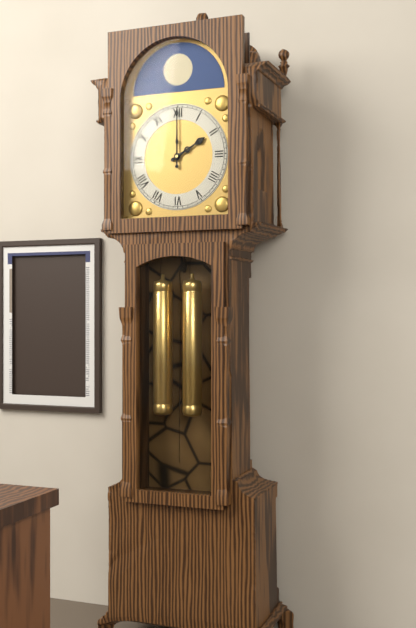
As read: h=2 m=0
